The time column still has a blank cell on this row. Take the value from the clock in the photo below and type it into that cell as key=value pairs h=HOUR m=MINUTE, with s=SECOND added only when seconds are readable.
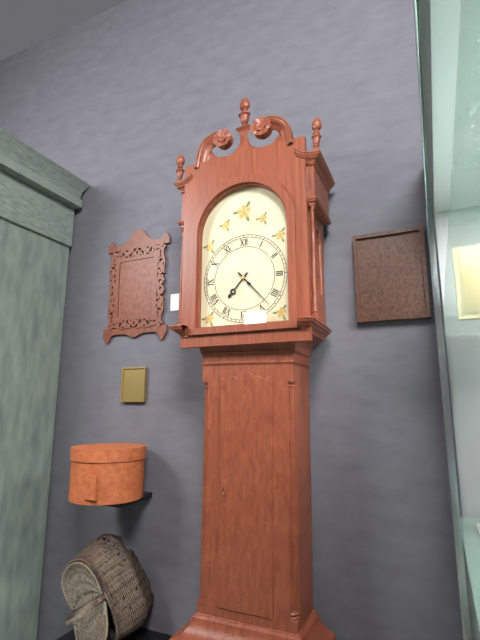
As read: h=7 m=23
